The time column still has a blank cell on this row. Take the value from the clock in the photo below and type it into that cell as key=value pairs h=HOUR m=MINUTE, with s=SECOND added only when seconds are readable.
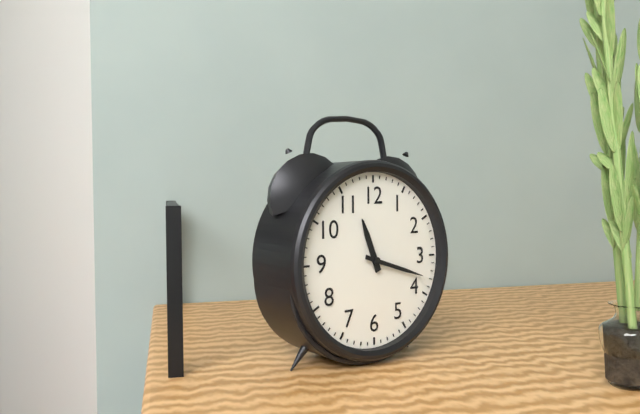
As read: h=11 m=18
